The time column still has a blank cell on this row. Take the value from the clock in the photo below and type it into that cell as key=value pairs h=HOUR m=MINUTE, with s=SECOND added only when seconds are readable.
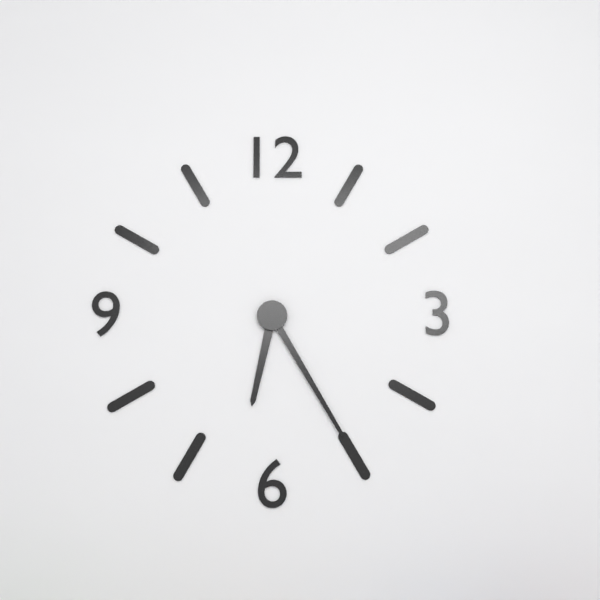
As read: h=6 m=25
